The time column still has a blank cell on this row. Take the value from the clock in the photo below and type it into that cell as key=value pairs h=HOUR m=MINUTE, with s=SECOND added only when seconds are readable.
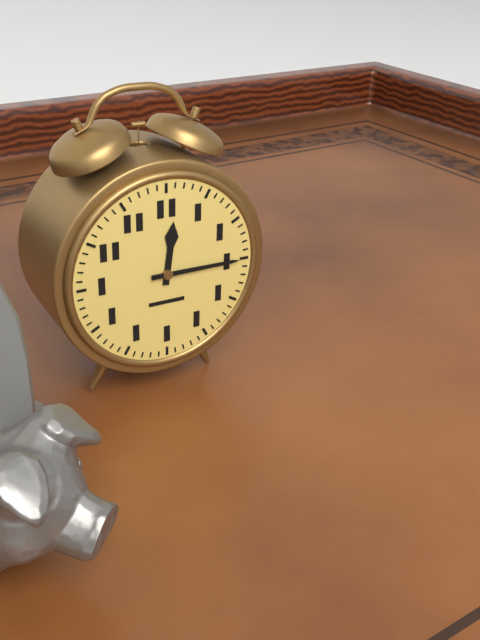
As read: h=12 m=15
